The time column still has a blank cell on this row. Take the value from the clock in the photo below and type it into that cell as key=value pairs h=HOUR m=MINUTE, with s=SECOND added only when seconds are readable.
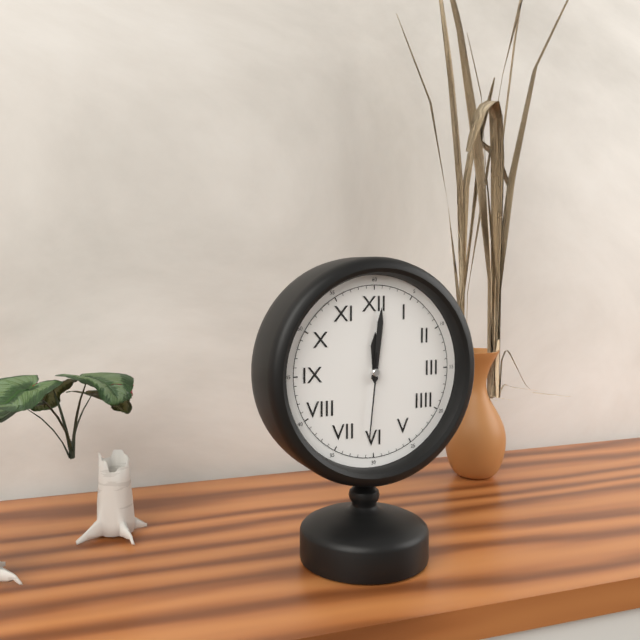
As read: h=12 m=1 s=31
